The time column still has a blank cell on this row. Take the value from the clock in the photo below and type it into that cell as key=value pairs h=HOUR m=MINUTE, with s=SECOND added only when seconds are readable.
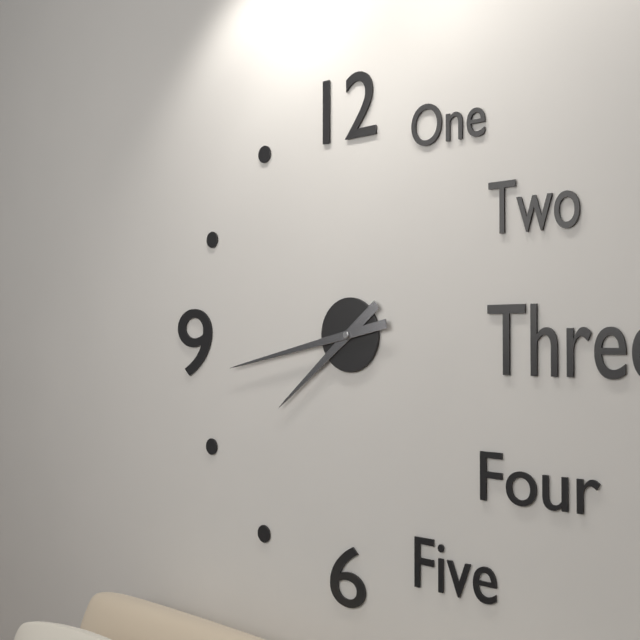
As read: h=7 m=43
